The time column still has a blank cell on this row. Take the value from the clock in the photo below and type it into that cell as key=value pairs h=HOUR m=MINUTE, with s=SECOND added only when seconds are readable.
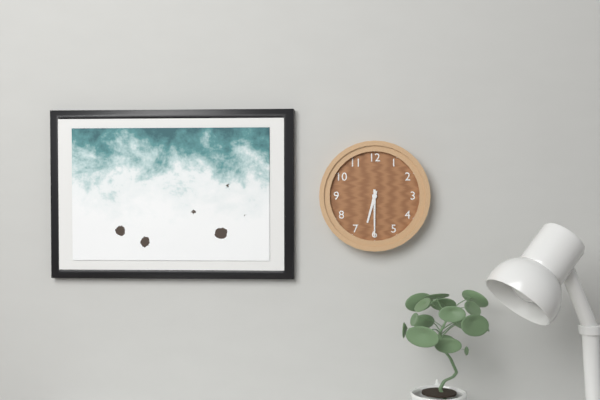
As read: h=6 m=30
